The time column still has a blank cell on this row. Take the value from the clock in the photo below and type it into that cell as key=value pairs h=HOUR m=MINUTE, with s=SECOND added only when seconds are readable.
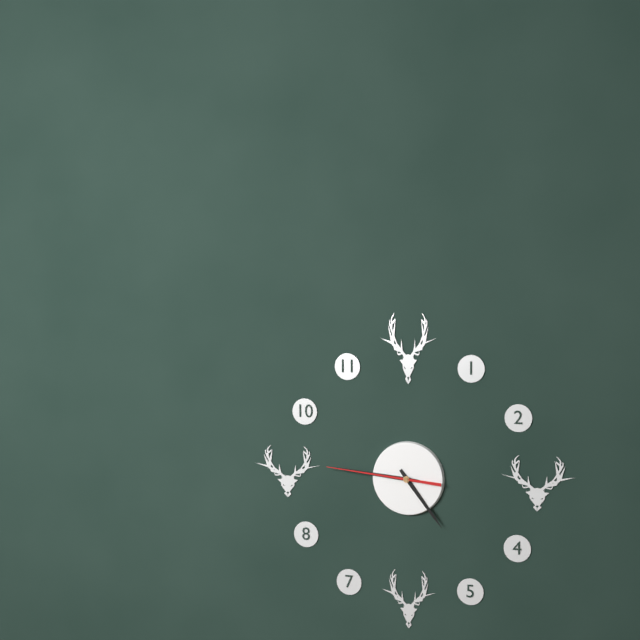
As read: h=4 m=46 s=46
